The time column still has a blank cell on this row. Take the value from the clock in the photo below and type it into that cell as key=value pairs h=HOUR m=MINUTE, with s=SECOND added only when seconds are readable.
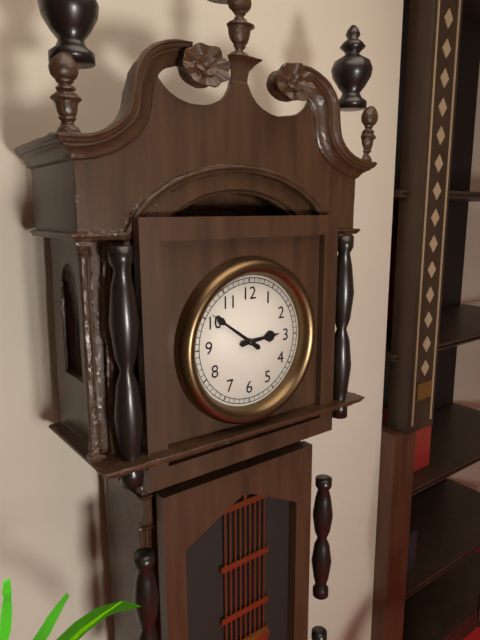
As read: h=2 m=51
